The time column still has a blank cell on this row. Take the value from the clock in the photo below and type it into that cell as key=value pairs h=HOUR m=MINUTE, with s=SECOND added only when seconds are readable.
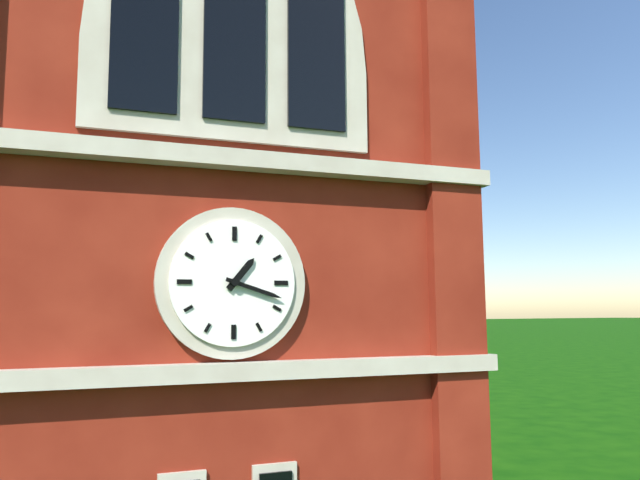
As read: h=1 m=18
